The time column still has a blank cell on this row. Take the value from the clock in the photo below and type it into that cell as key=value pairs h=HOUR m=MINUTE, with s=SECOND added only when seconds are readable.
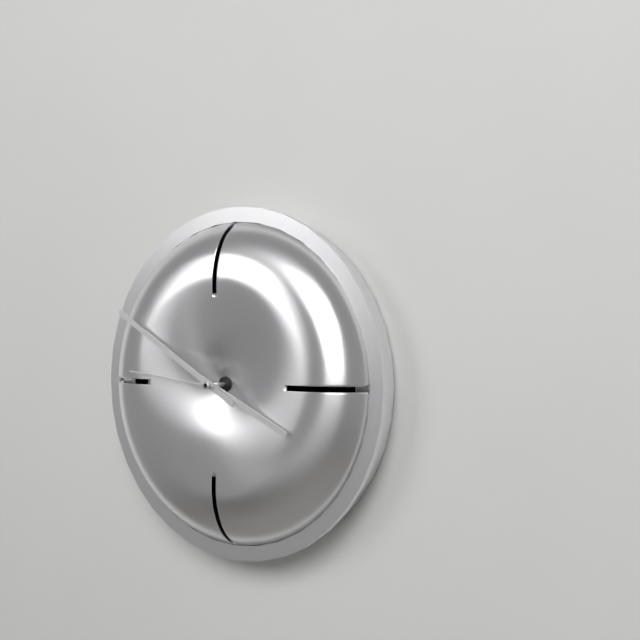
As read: h=3 m=50 s=46
